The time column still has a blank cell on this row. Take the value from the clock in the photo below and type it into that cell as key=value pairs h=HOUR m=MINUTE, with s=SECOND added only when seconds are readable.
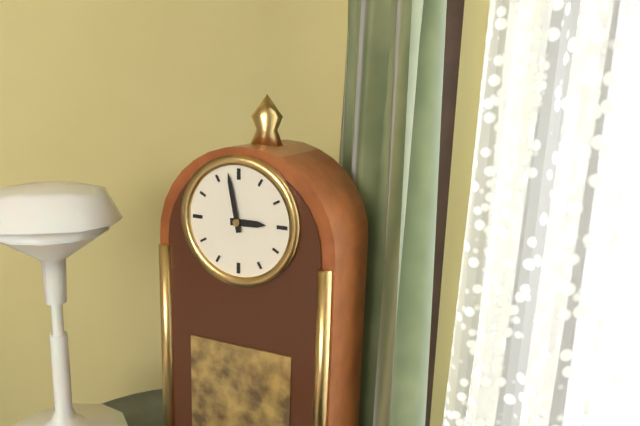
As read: h=2 m=58
